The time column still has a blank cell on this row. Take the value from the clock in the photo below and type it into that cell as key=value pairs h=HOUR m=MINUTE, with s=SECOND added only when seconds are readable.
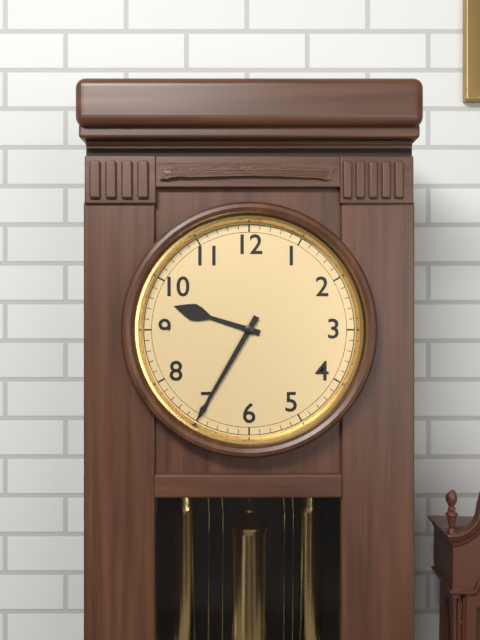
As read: h=9 m=35
